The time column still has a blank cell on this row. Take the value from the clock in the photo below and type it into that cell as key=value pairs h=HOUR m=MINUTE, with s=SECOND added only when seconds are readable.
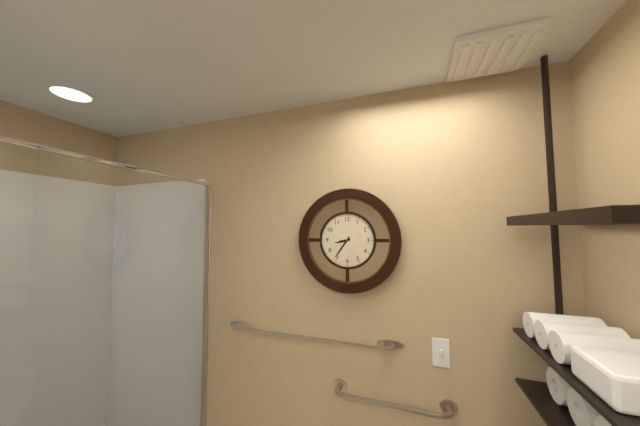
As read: h=8 m=36
